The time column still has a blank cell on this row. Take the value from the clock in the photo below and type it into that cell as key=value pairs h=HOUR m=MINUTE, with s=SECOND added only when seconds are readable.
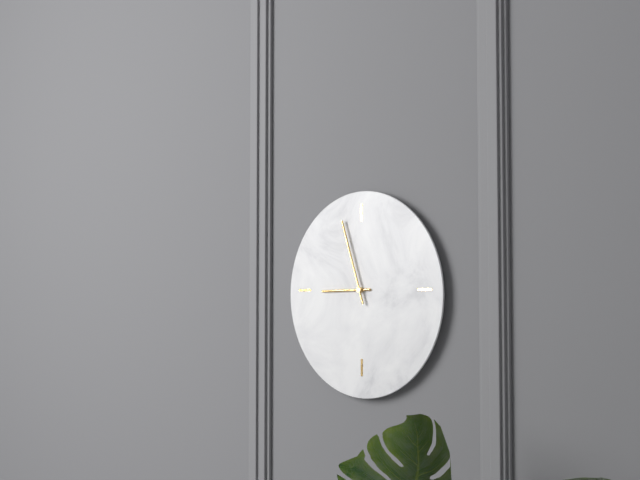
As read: h=8 m=57
